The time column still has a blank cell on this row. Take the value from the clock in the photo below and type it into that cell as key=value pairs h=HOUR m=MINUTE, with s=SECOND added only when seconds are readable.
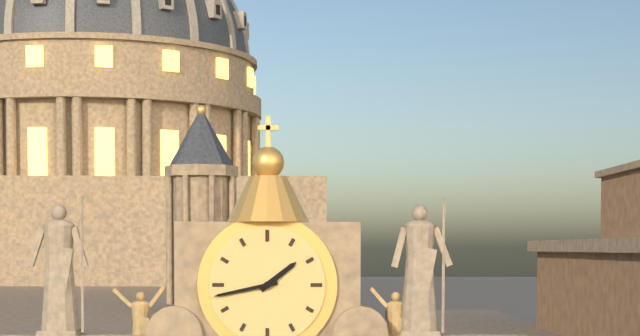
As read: h=1 m=43
